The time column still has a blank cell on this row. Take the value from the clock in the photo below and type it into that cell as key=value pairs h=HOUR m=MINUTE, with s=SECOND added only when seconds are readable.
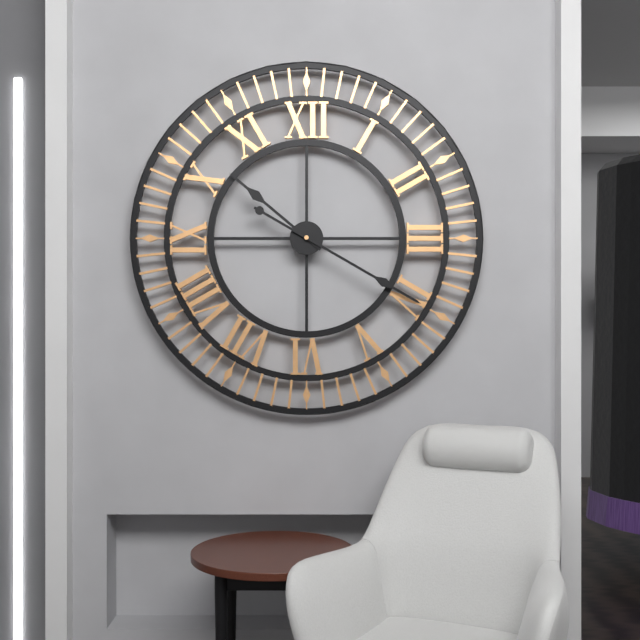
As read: h=10 m=20
